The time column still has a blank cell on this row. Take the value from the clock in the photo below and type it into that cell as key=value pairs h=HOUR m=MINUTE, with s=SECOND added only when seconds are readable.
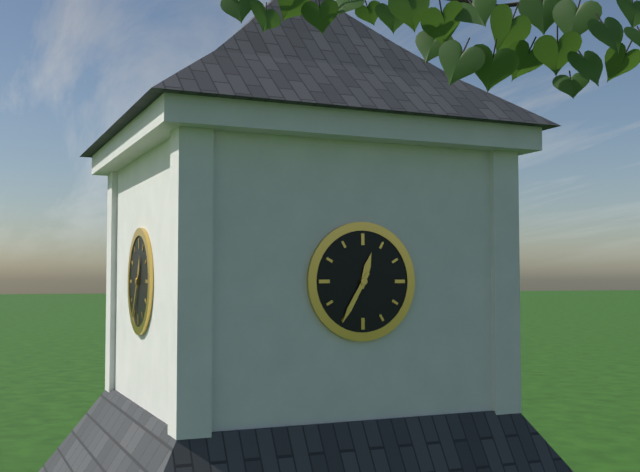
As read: h=12 m=35
